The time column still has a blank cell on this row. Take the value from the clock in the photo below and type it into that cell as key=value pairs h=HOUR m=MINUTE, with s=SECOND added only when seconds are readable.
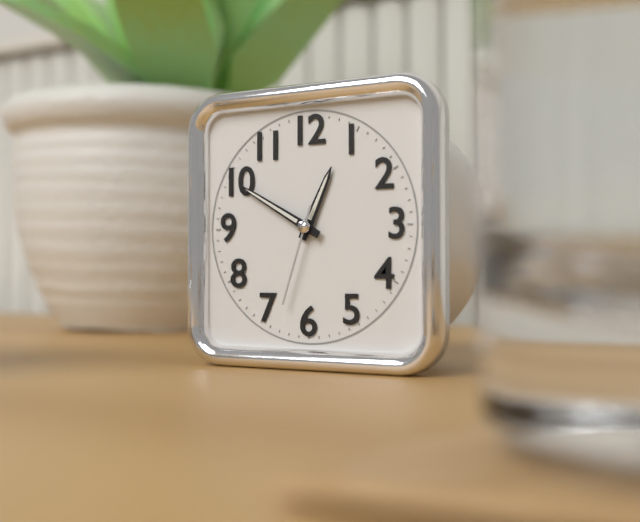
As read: h=12 m=50 s=33
